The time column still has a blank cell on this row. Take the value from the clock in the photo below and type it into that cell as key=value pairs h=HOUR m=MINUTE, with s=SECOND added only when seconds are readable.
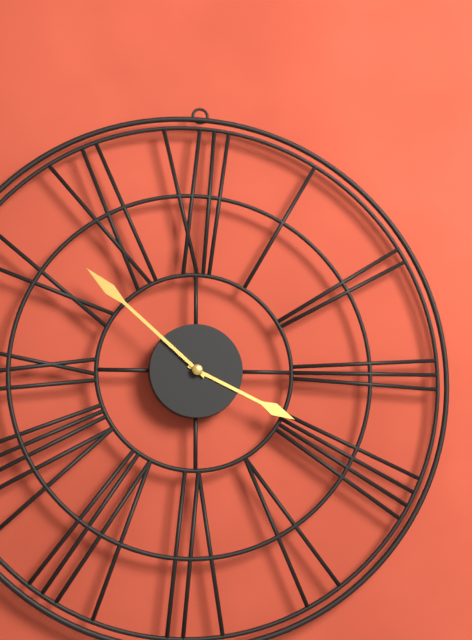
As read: h=3 m=52
